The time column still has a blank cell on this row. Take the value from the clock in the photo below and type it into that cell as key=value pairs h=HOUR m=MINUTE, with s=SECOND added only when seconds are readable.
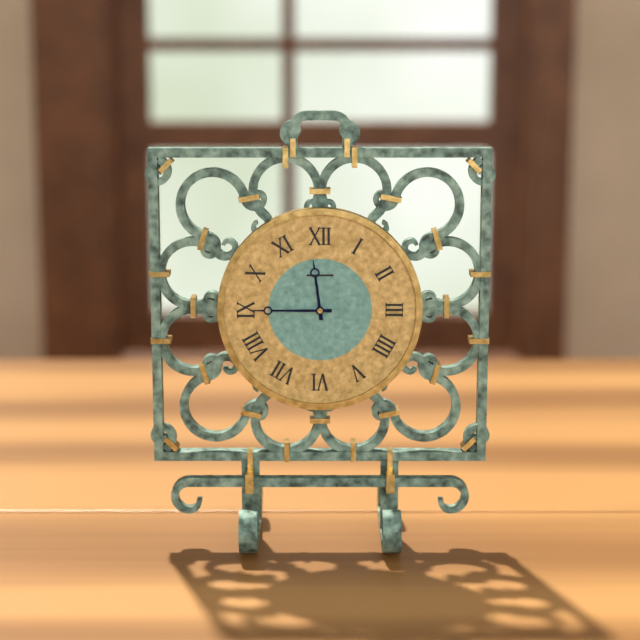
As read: h=11 m=45
